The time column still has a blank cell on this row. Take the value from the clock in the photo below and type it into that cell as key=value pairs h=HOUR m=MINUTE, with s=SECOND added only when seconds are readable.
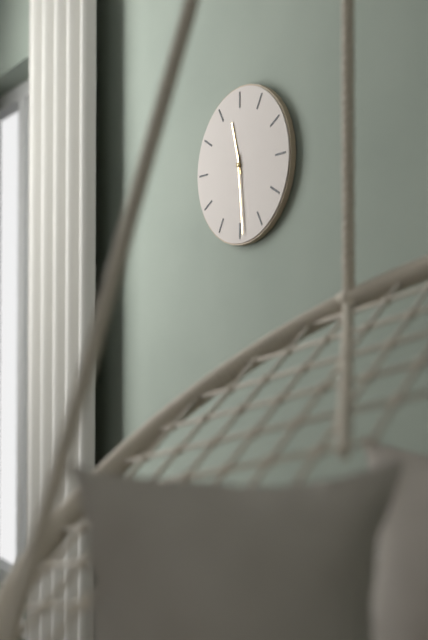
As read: h=11 m=29
